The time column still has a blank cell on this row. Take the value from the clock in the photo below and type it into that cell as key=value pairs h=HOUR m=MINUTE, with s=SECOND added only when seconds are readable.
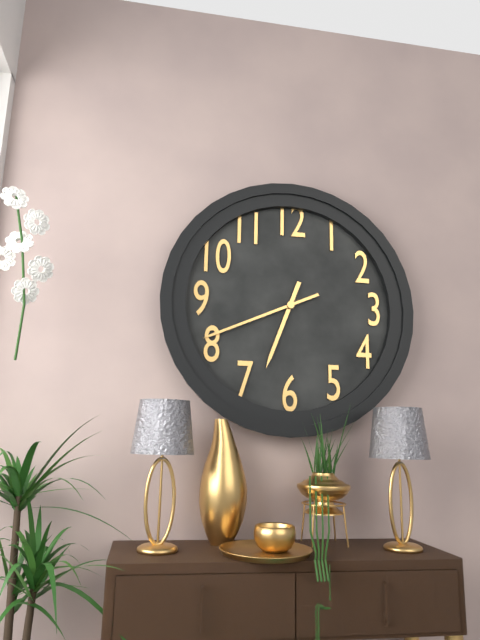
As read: h=6 m=41
